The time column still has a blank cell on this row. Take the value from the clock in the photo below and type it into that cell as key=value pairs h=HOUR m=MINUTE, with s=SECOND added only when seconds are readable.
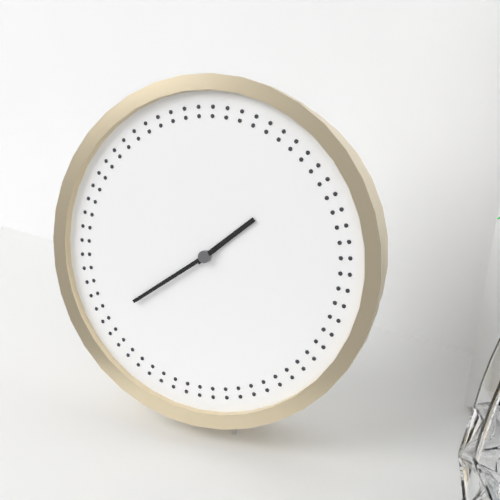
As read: h=1 m=39
